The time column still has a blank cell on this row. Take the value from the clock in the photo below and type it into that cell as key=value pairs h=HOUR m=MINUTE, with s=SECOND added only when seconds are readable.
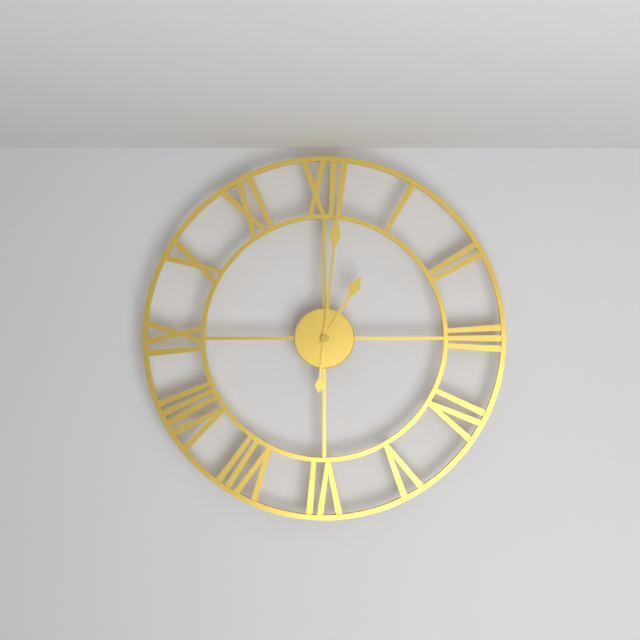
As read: h=1 m=1
